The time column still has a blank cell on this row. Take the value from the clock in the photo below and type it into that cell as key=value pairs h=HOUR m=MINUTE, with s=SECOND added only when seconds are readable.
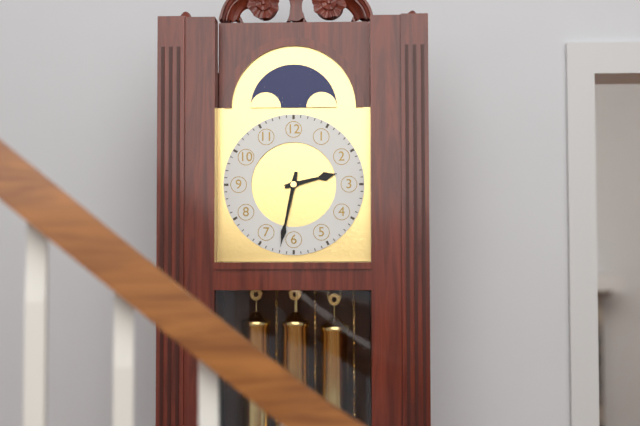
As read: h=2 m=32
